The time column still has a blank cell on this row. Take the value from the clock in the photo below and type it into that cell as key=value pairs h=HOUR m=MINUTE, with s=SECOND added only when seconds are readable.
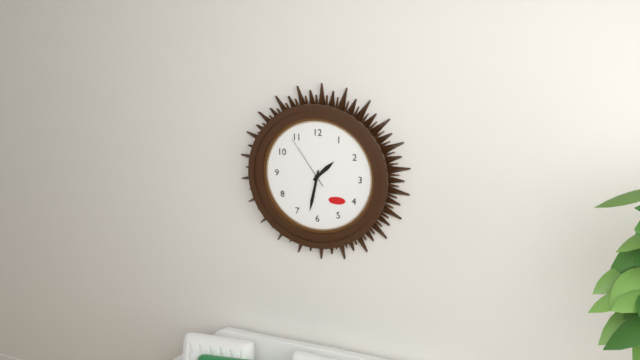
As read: h=1 m=32 s=54
